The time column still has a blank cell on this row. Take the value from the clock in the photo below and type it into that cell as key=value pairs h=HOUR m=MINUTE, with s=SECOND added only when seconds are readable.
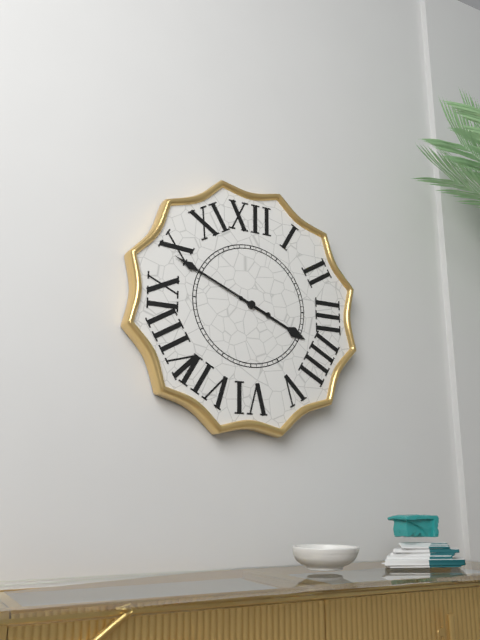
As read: h=3 m=49
